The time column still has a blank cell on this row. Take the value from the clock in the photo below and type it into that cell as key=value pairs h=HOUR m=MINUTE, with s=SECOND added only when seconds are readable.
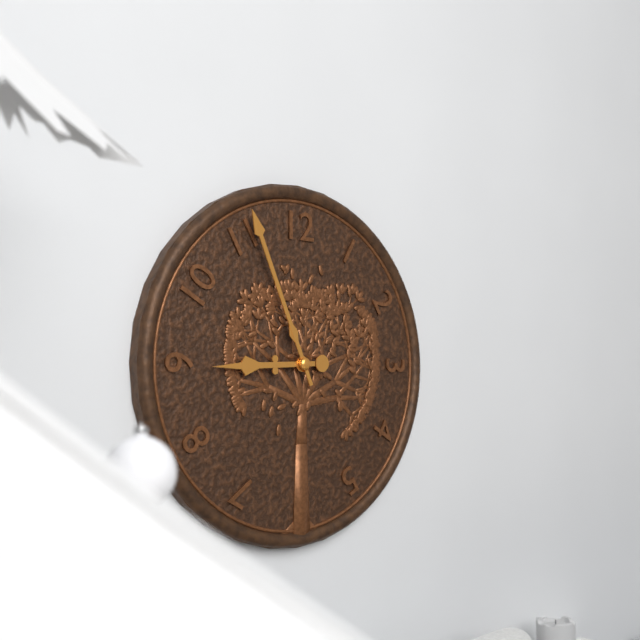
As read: h=8 m=56
